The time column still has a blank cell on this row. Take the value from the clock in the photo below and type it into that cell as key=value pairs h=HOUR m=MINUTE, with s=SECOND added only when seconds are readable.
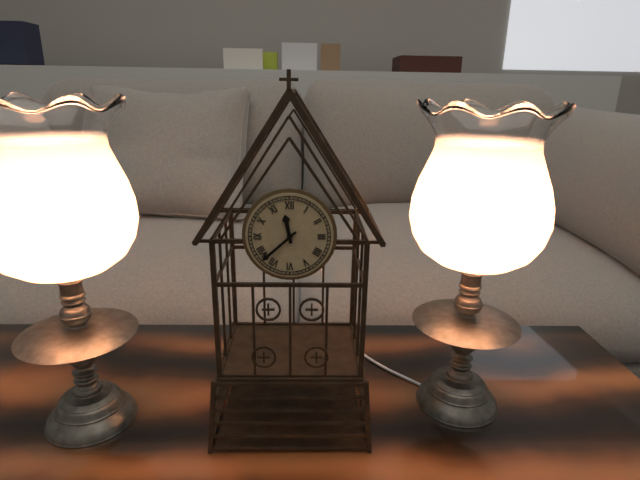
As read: h=11 m=38
